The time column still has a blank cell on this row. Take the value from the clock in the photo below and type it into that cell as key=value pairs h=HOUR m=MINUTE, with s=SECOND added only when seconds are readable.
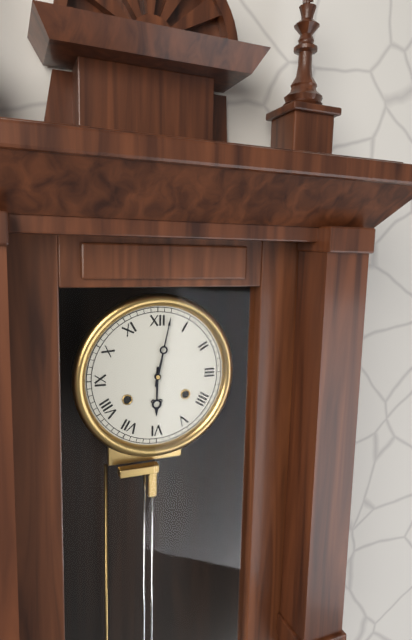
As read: h=6 m=2
